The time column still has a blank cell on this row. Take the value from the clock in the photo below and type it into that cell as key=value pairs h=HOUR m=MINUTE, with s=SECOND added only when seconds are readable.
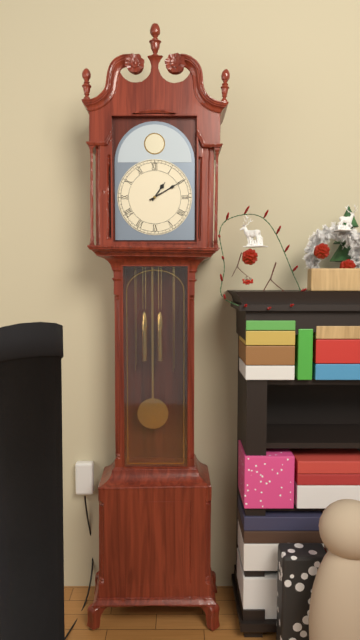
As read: h=1 m=10
